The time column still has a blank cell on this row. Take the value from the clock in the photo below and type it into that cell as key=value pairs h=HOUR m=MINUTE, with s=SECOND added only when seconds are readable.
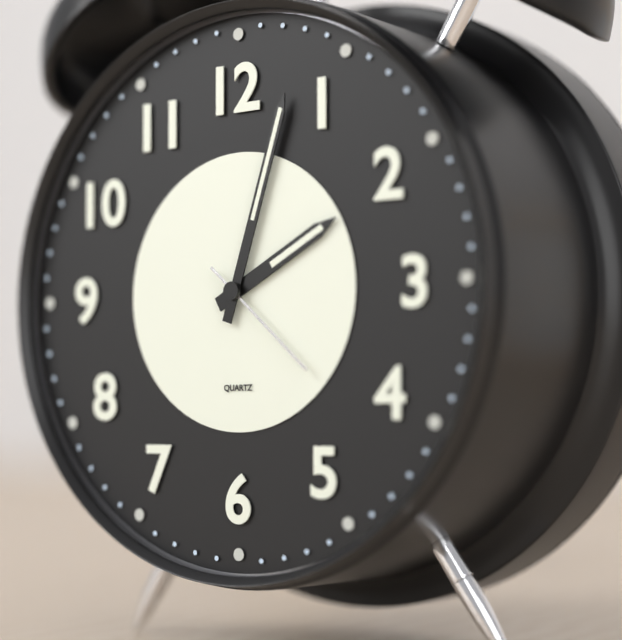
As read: h=2 m=3 s=22
